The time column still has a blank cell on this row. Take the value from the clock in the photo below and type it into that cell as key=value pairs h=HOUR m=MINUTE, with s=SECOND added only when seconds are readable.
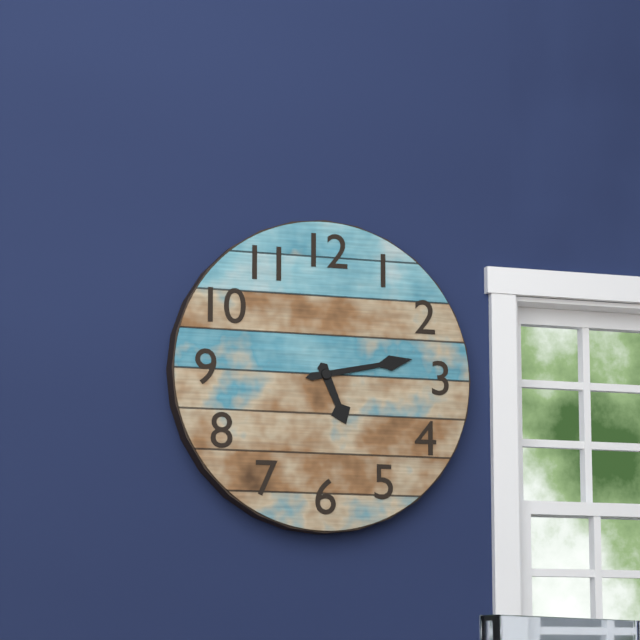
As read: h=5 m=13
